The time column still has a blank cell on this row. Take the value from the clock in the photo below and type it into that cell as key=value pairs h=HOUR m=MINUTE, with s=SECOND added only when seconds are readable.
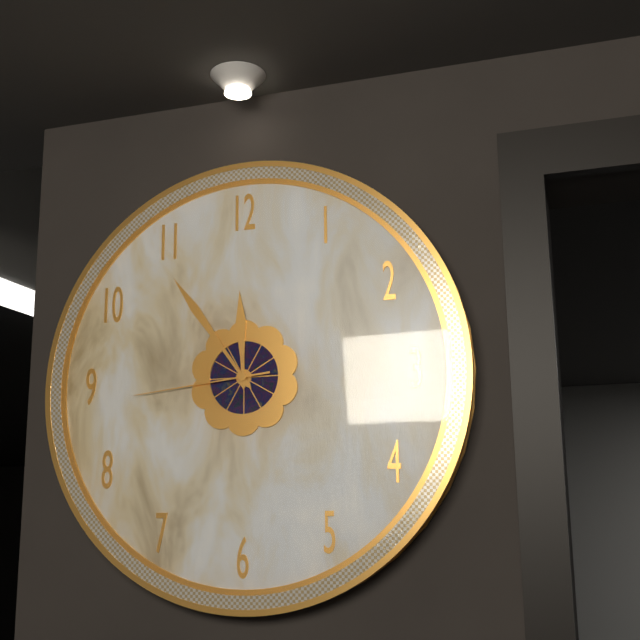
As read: h=11 m=54 s=44
